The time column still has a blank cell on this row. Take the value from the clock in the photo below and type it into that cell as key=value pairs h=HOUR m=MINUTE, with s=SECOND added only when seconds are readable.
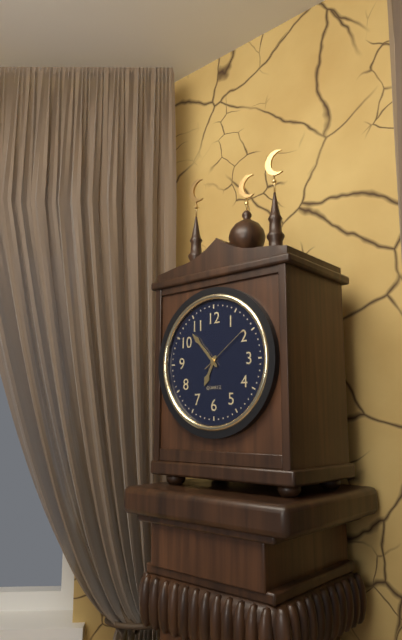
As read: h=6 m=53 s=9
